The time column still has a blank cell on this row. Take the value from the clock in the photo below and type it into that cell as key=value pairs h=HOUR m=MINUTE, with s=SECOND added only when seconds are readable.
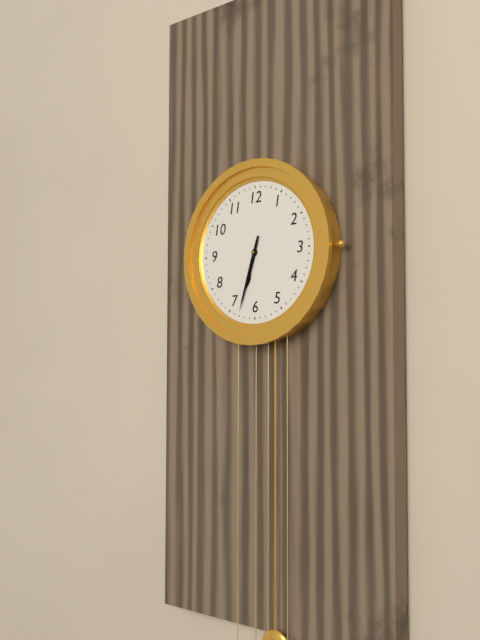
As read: h=6 m=33
